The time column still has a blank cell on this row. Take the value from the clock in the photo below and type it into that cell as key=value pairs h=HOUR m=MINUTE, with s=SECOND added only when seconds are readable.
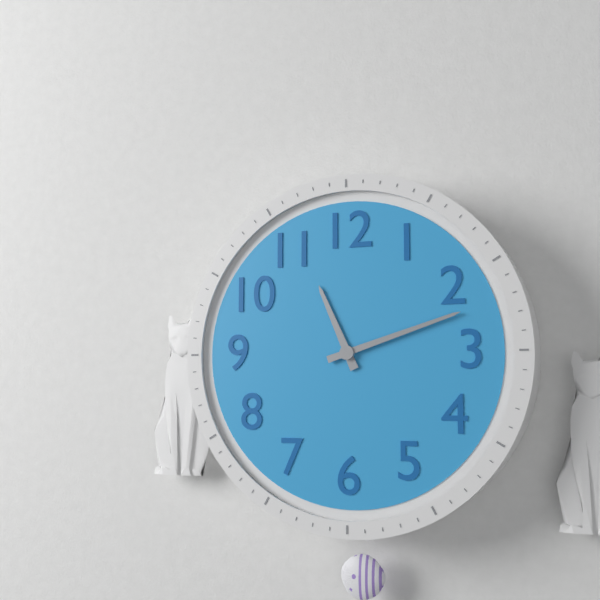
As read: h=11 m=12
